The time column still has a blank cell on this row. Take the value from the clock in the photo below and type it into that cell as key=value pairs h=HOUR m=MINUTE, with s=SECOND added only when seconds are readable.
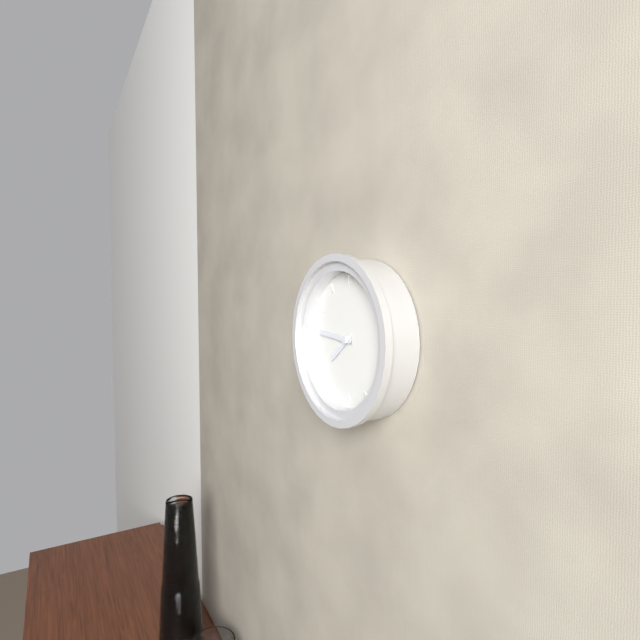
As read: h=7 m=46
